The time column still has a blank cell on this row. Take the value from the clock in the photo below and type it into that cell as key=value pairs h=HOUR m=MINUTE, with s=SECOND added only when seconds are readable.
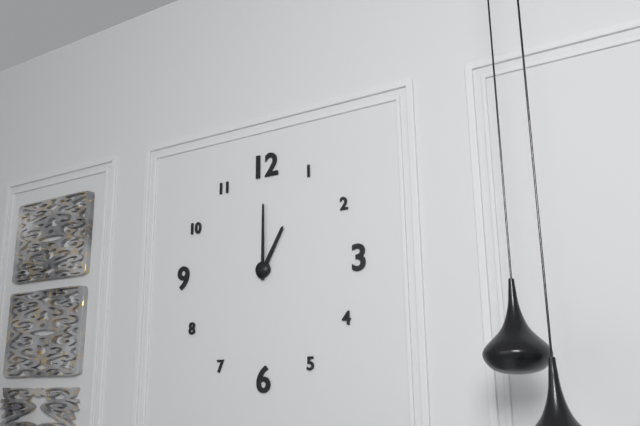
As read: h=1 m=0
